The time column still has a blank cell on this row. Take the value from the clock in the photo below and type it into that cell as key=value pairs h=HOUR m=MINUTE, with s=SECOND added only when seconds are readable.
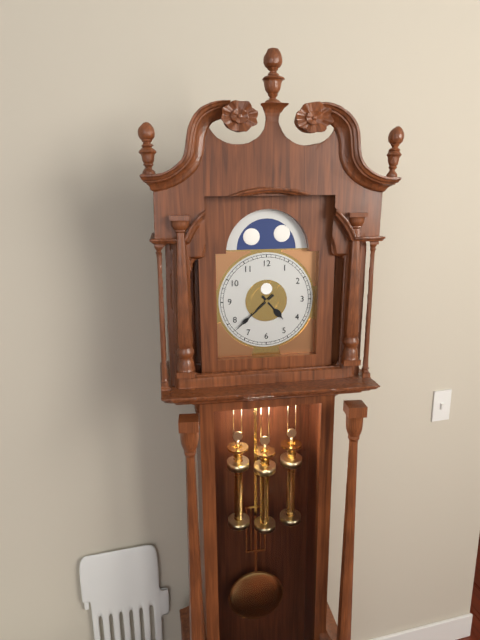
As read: h=4 m=38
